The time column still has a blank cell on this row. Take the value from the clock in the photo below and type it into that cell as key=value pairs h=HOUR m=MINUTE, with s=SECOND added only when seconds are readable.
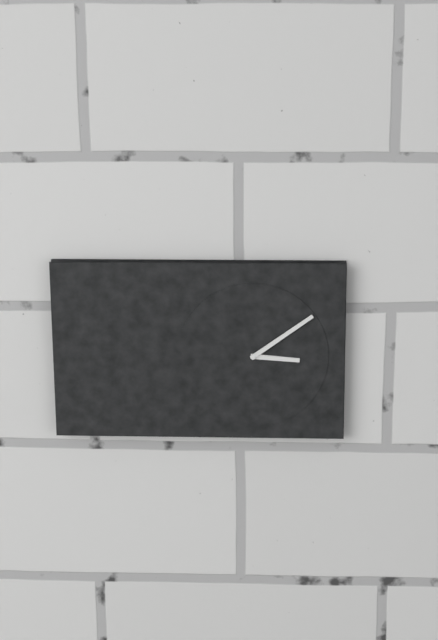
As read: h=3 m=9
